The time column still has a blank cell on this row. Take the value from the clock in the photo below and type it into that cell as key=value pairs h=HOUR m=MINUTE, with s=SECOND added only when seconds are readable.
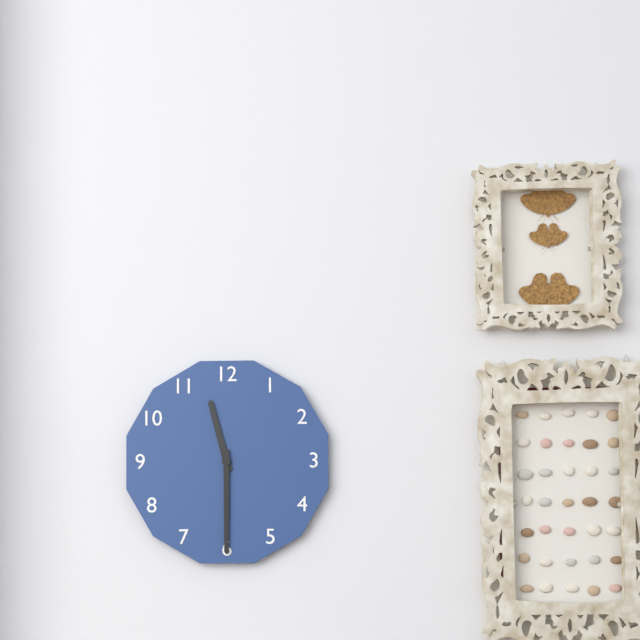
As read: h=11 m=30
